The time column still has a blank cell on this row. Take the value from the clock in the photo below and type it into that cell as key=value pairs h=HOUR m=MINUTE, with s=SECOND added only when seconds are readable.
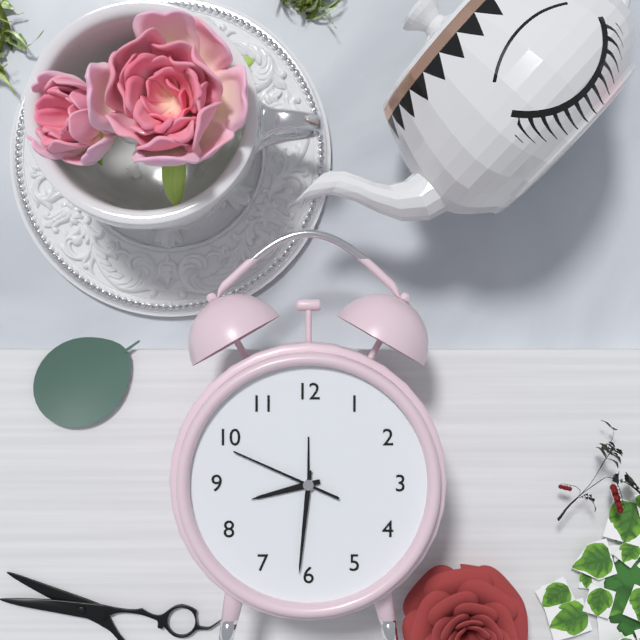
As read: h=8 m=31 s=49
